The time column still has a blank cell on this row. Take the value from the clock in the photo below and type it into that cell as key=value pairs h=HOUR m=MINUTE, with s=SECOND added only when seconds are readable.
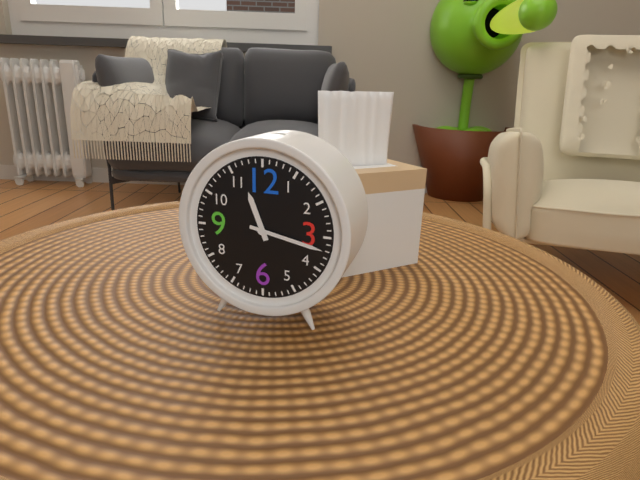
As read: h=11 m=17
